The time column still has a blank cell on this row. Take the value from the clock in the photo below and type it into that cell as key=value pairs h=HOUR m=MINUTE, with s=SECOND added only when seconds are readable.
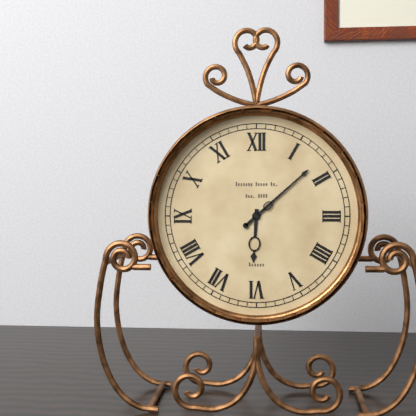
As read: h=6 m=8
